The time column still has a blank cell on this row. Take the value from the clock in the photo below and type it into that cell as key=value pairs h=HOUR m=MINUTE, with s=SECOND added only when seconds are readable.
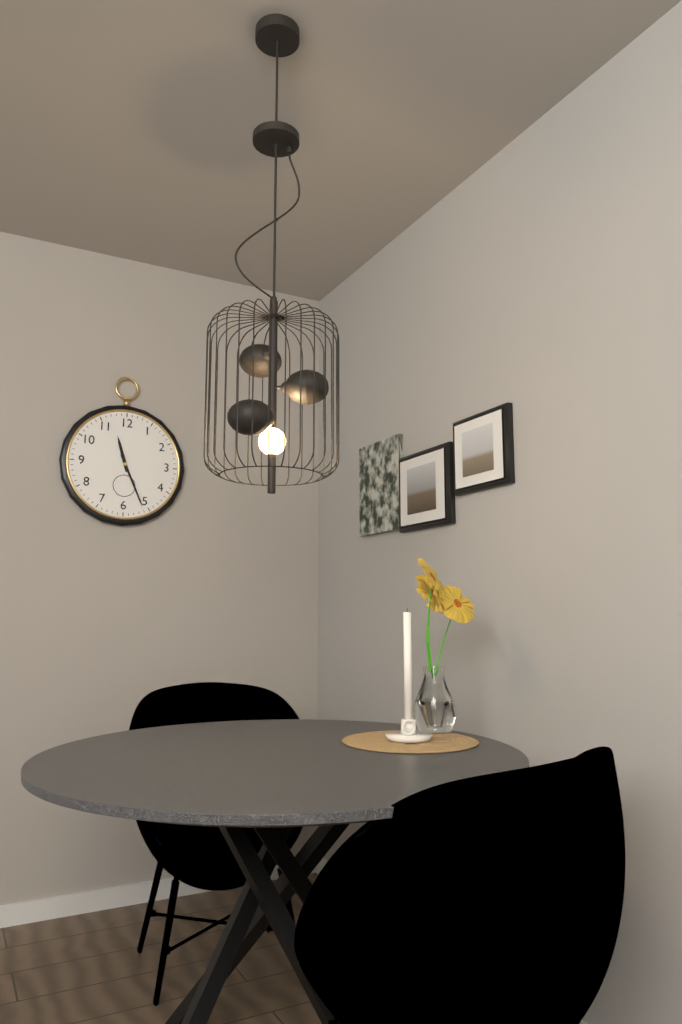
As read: h=11 m=26
